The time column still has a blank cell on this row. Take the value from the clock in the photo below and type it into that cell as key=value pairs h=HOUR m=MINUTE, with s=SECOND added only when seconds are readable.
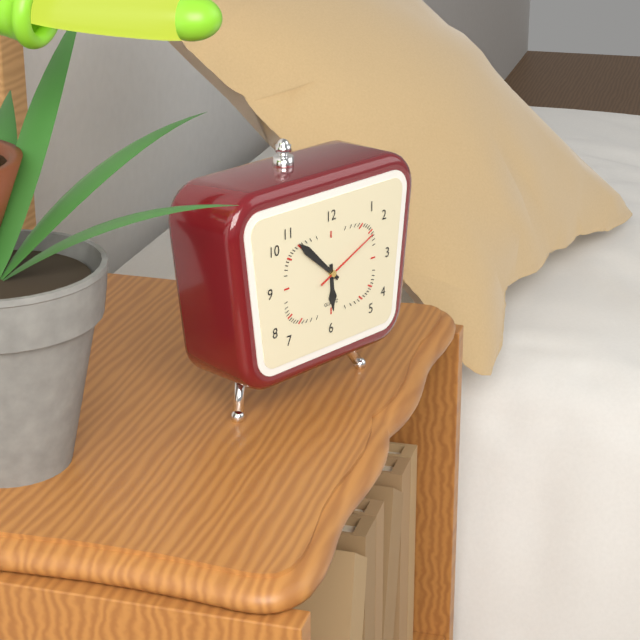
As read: h=5 m=52 s=11
